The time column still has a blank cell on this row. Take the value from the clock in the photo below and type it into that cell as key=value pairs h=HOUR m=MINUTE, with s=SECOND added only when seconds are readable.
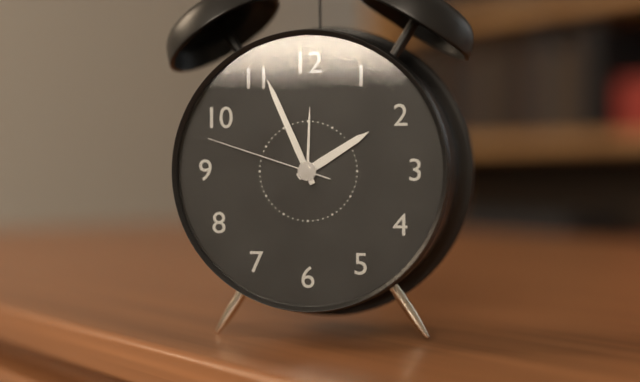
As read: h=1 m=56 s=48
